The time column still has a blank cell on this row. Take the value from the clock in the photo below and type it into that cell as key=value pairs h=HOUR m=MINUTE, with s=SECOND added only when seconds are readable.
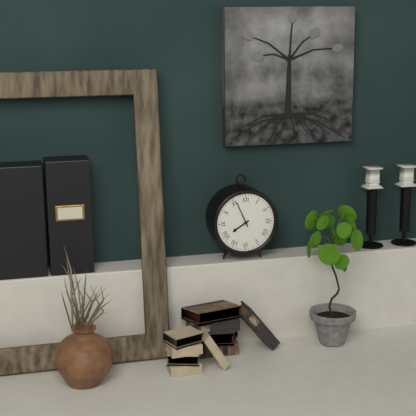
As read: h=7 m=56
